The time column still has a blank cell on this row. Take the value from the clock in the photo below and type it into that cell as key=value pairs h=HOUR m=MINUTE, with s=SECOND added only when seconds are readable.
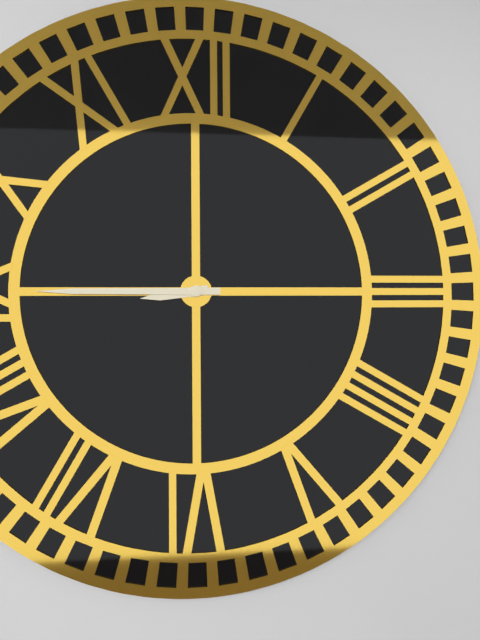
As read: h=8 m=45
